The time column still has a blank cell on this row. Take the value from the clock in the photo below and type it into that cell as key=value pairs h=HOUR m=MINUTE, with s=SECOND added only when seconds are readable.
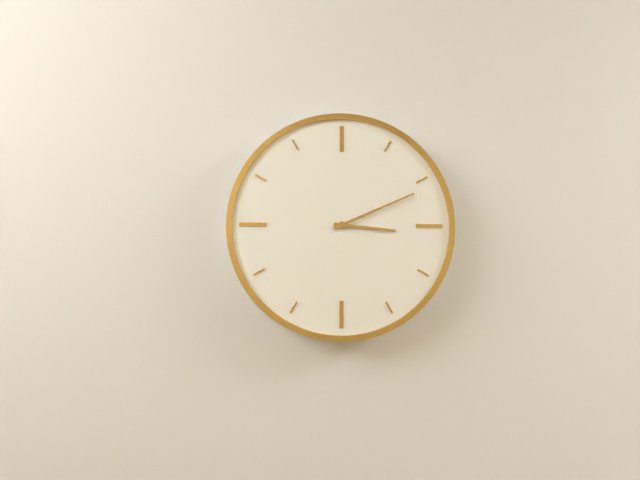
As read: h=3 m=11
